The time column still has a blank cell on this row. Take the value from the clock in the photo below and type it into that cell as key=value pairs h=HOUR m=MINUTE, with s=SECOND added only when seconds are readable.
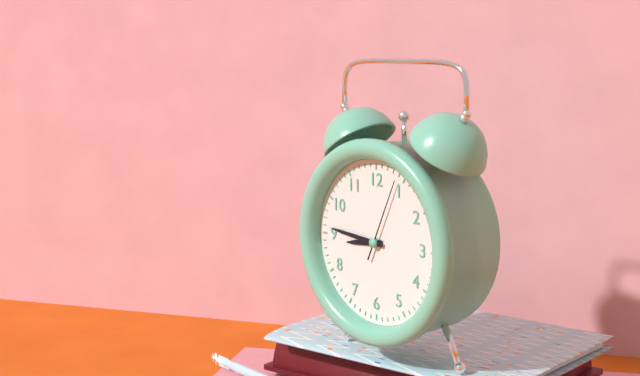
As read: h=8 m=46 s=4
